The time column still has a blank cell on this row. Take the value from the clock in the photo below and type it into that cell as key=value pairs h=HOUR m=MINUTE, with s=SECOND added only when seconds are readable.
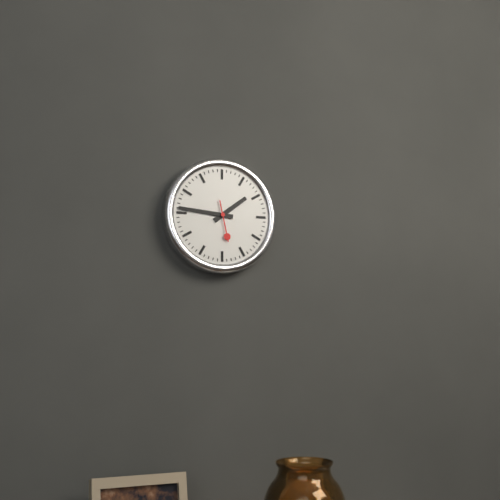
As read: h=1 m=46
